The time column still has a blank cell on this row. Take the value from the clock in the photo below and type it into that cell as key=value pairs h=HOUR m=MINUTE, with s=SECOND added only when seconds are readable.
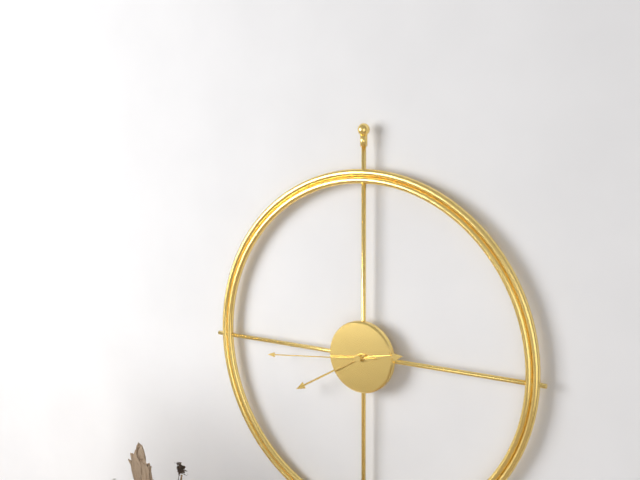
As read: h=2 m=40 s=44
